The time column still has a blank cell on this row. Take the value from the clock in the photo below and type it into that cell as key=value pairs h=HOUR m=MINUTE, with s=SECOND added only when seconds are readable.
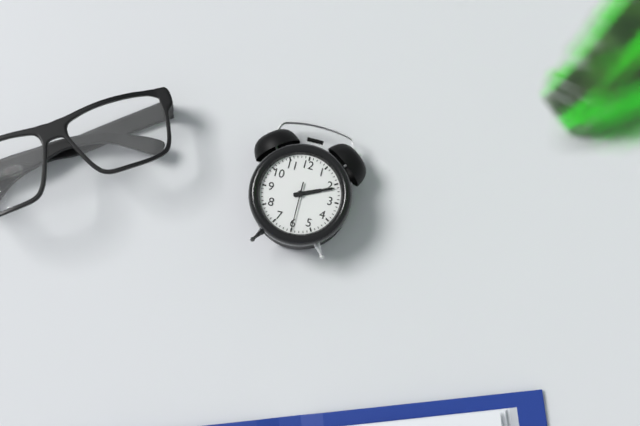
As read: h=2 m=11
